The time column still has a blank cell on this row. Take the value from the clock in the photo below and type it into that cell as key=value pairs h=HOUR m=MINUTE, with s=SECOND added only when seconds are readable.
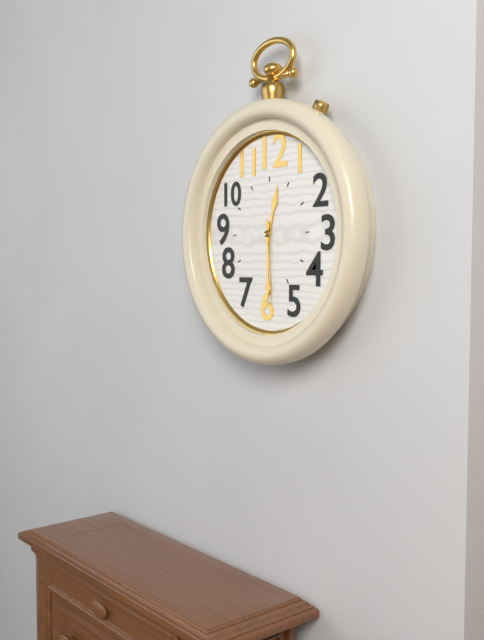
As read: h=12 m=30 s=29
